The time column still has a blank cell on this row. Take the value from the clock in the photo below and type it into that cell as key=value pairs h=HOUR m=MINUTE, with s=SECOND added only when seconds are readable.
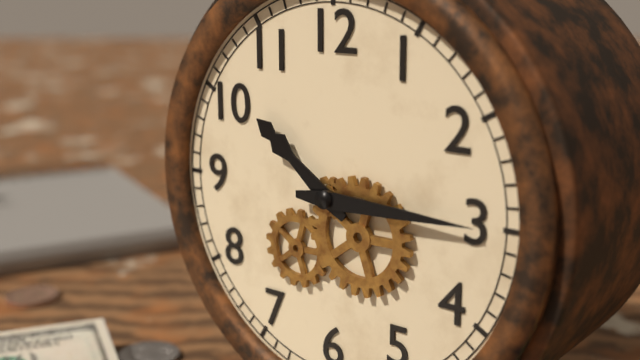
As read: h=10 m=15
